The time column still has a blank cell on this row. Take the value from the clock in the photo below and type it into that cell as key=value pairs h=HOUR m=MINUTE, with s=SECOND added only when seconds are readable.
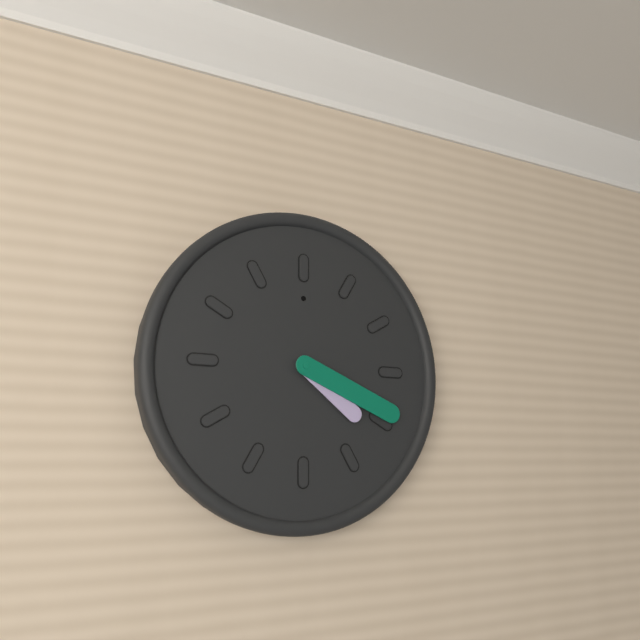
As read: h=4 m=19
